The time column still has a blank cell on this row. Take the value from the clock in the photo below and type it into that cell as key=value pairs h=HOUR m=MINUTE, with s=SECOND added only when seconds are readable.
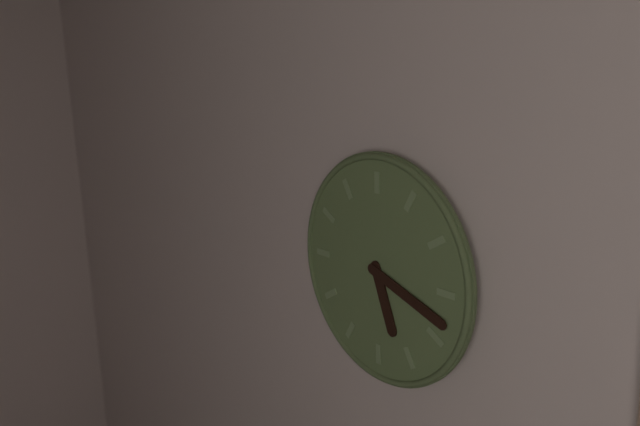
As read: h=5 m=18
